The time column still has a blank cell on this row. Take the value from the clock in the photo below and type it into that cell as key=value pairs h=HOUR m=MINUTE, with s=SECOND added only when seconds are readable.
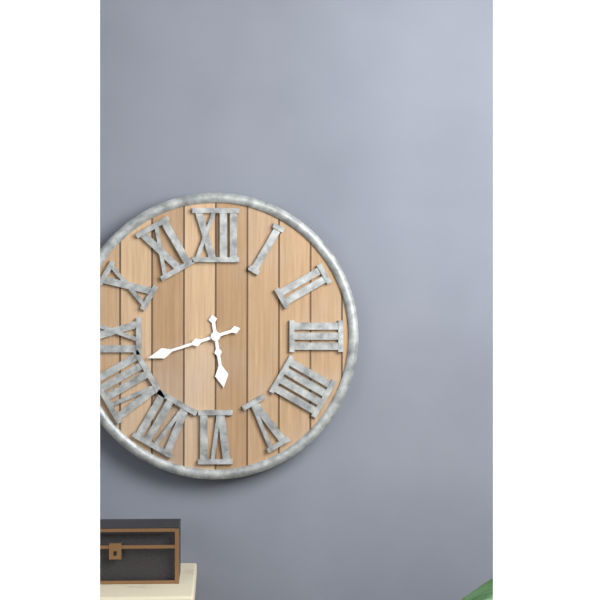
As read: h=5 m=42
